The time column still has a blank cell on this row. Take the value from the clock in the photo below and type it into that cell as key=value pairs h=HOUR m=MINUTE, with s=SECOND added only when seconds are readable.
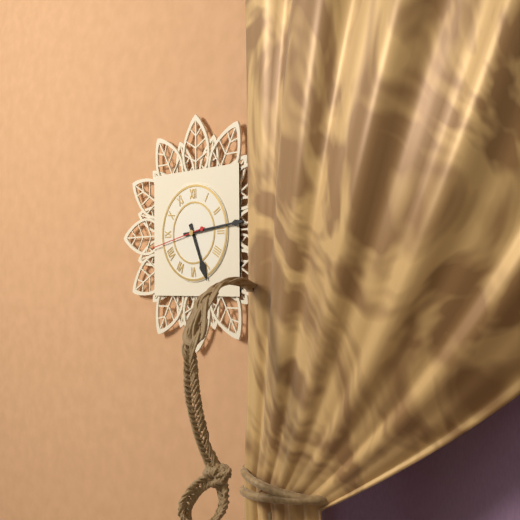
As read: h=5 m=14 s=43
